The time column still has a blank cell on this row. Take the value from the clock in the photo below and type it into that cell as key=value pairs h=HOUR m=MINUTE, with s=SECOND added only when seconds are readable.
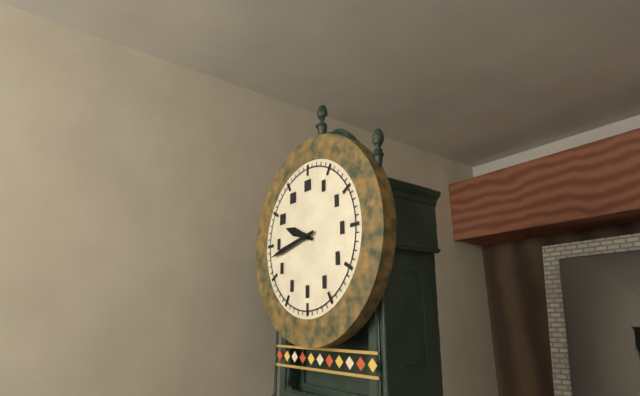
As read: h=9 m=43
